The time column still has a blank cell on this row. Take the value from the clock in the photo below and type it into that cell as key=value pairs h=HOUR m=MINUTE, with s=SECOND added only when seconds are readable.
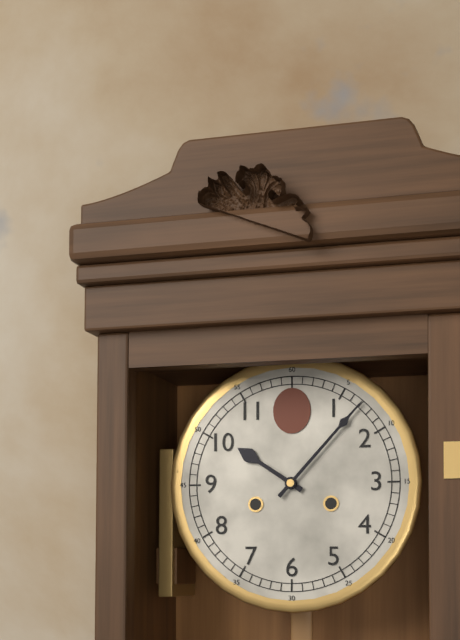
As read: h=10 m=7
